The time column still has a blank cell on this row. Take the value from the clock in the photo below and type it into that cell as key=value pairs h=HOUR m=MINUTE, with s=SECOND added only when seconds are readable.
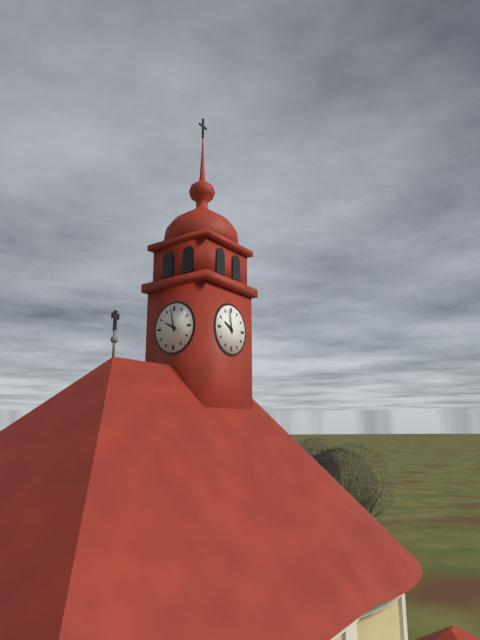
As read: h=9 m=58
